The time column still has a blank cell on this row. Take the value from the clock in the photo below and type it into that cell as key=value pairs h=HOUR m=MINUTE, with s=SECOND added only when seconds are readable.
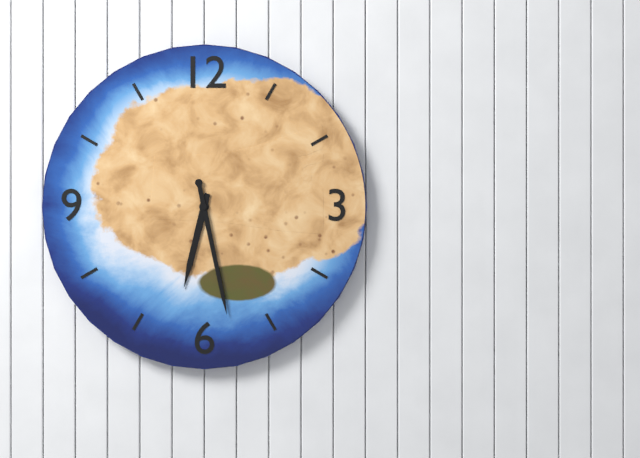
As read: h=6 m=28
